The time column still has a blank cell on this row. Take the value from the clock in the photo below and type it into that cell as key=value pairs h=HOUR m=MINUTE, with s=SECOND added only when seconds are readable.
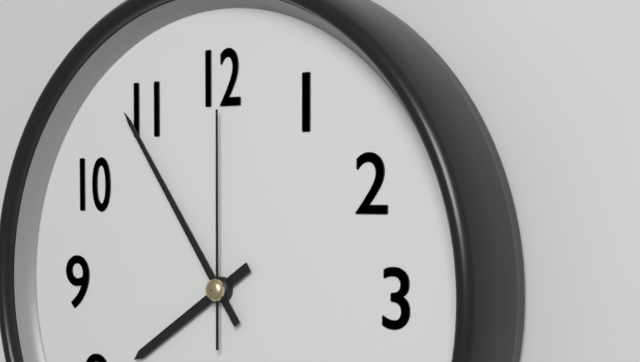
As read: h=7 m=54 s=0
